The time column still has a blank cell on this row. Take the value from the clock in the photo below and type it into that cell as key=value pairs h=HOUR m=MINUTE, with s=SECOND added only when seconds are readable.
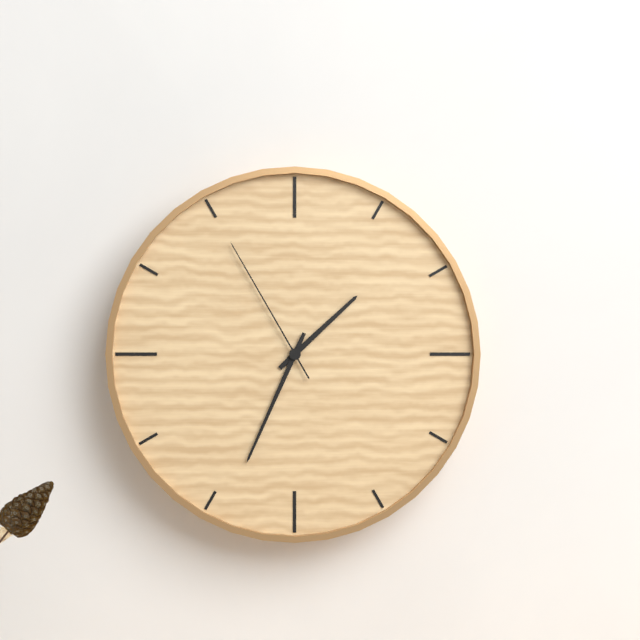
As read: h=1 m=34 s=55
